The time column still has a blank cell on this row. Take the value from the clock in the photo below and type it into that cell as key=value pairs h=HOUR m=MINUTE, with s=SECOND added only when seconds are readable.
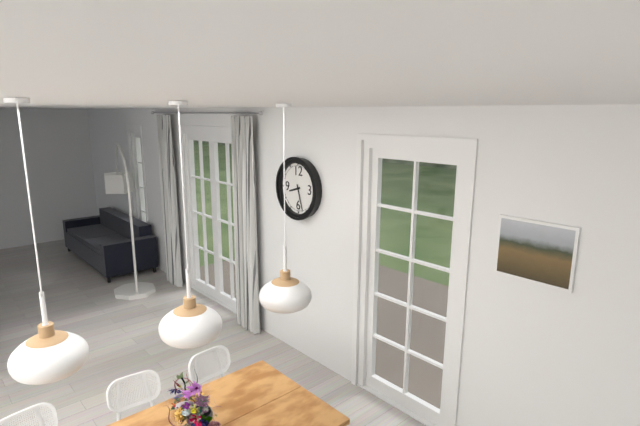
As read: h=8 m=27
